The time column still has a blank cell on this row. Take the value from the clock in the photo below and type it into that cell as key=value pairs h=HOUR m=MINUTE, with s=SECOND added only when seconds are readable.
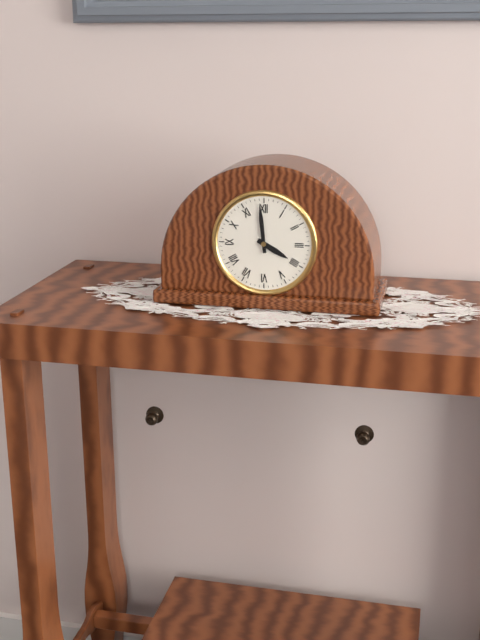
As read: h=3 m=59
